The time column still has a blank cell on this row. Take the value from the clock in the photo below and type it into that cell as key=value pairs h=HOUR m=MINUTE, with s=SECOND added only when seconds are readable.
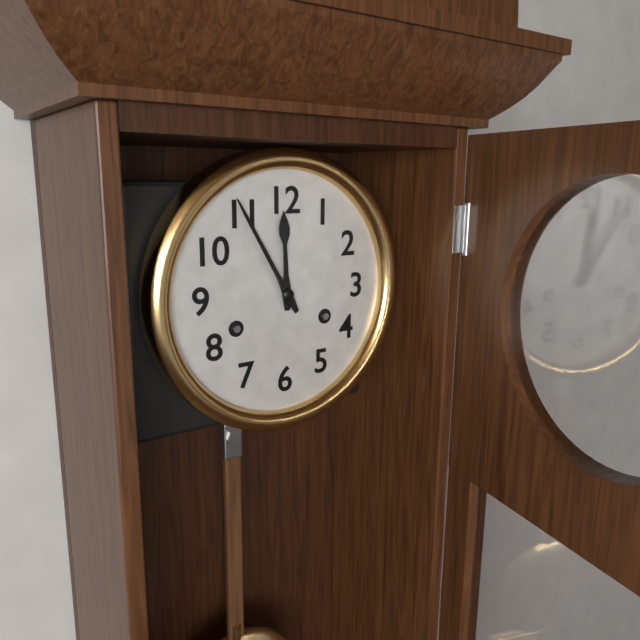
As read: h=11 m=55
